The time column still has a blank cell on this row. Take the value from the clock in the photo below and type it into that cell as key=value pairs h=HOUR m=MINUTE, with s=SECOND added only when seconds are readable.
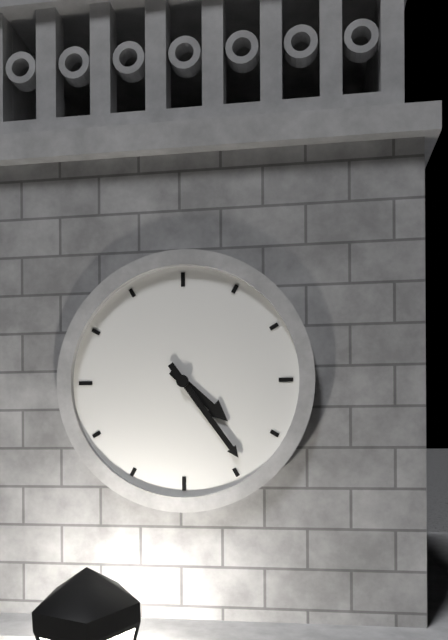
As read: h=4 m=24
